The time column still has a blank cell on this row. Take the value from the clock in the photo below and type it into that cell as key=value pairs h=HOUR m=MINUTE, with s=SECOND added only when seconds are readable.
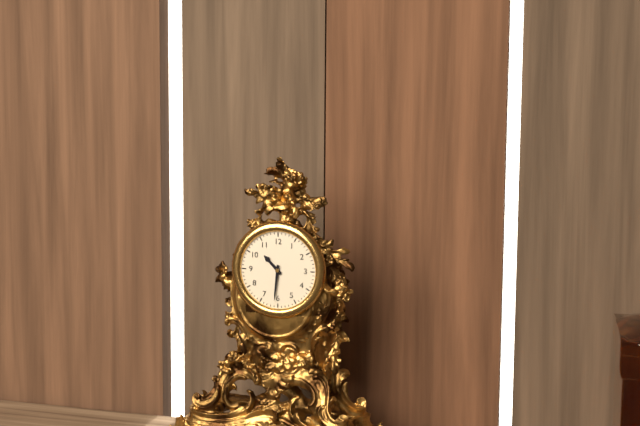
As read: h=10 m=31
